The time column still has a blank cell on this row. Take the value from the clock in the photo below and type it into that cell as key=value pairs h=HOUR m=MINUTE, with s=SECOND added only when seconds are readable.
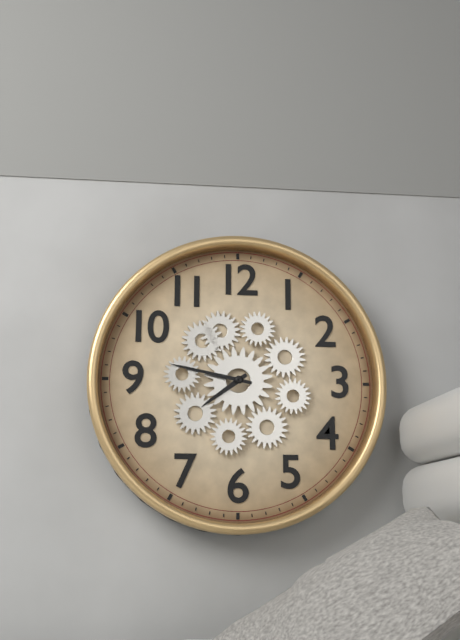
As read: h=7 m=47
